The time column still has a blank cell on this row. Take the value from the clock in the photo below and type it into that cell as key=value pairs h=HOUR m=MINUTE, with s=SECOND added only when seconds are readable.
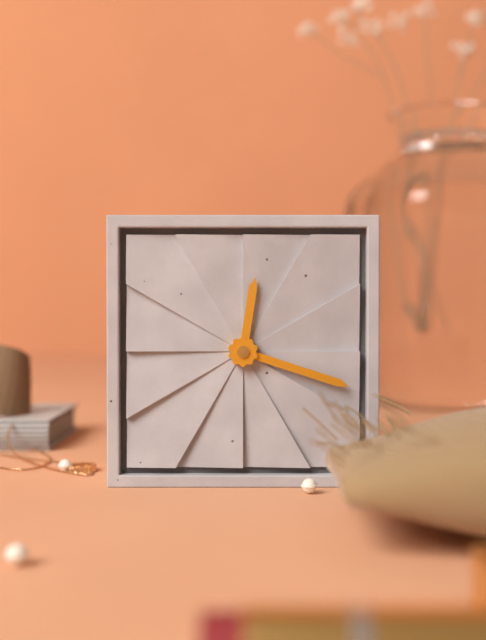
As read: h=12 m=18
